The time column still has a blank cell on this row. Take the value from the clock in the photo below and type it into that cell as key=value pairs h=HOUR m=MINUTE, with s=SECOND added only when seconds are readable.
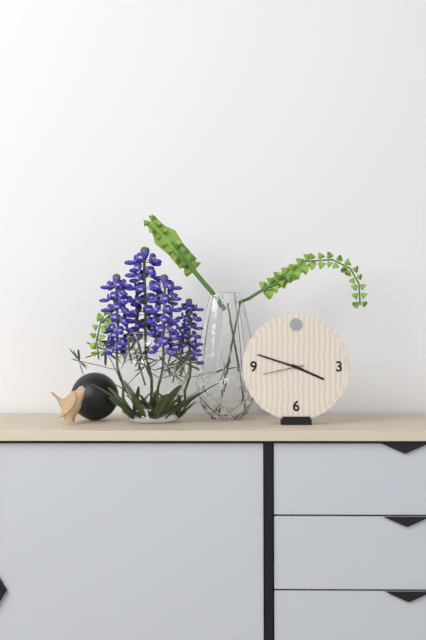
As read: h=3 m=48
